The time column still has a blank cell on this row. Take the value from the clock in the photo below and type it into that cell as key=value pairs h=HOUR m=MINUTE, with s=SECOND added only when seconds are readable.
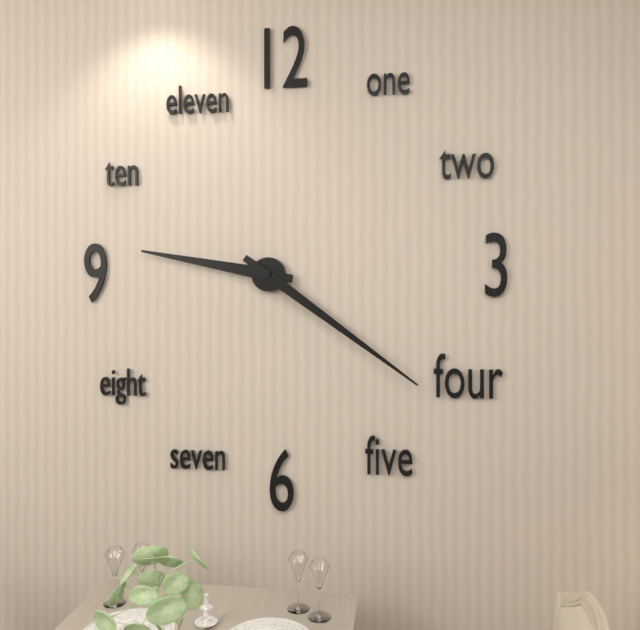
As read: h=9 m=21
